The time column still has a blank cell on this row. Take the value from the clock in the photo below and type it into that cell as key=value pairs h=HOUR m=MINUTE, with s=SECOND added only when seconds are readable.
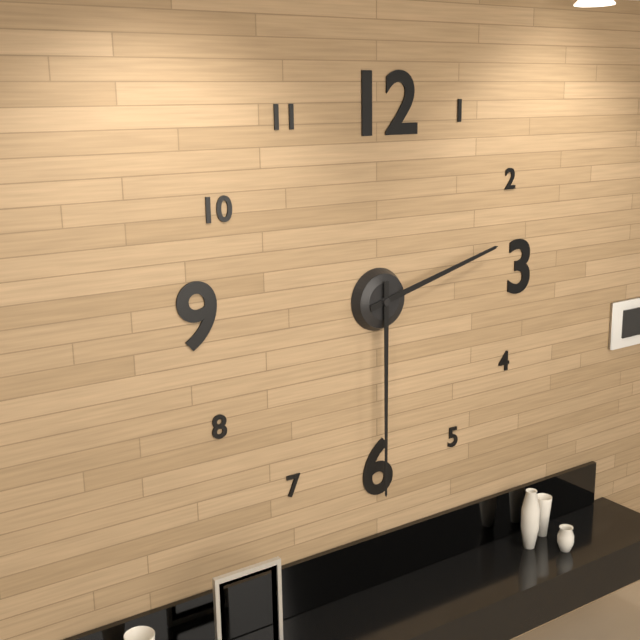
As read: h=2 m=30
